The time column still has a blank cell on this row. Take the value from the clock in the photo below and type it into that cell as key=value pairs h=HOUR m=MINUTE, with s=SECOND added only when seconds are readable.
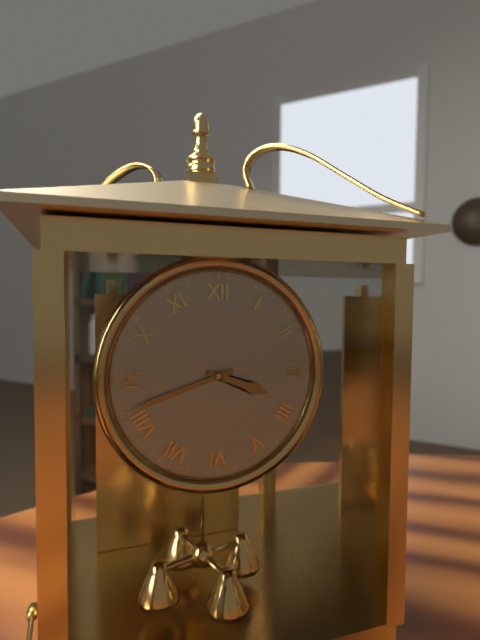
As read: h=3 m=42
